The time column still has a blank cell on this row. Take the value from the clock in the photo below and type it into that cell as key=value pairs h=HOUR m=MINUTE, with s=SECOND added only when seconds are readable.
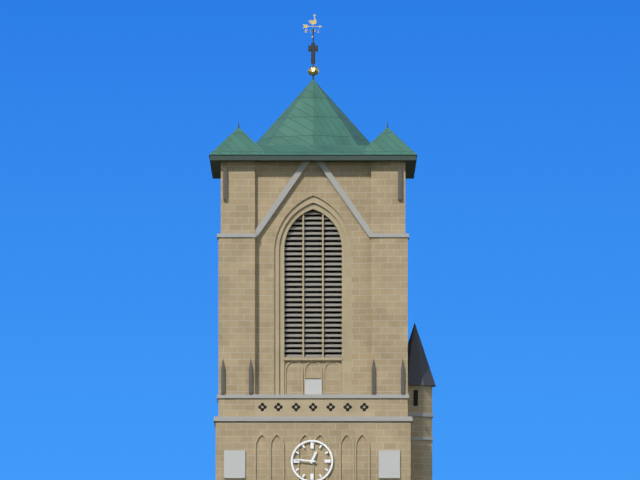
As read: h=12 m=46
